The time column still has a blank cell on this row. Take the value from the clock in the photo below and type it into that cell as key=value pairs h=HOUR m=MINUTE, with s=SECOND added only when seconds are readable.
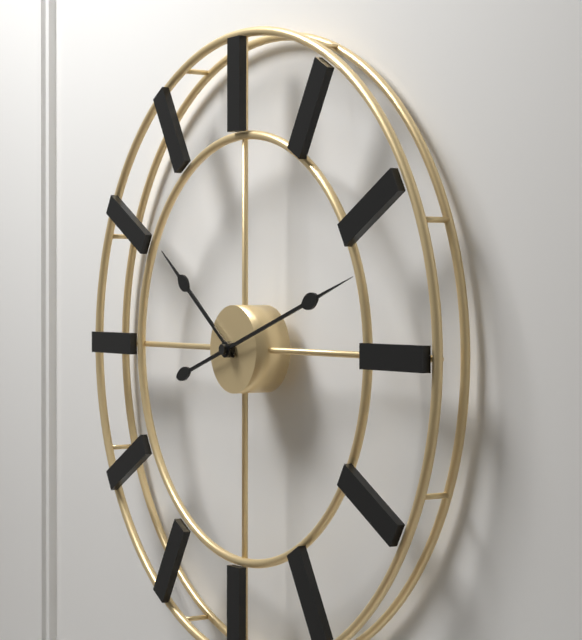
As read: h=10 m=12
